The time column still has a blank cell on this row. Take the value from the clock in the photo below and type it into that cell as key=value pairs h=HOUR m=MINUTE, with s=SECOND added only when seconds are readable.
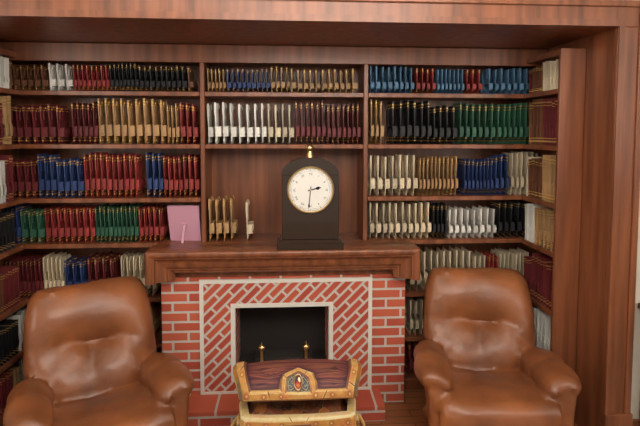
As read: h=2 m=31
